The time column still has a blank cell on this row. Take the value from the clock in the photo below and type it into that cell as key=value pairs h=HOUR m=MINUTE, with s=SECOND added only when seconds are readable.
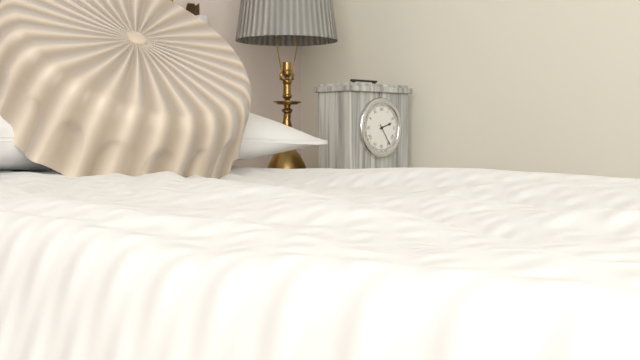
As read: h=2 m=24
